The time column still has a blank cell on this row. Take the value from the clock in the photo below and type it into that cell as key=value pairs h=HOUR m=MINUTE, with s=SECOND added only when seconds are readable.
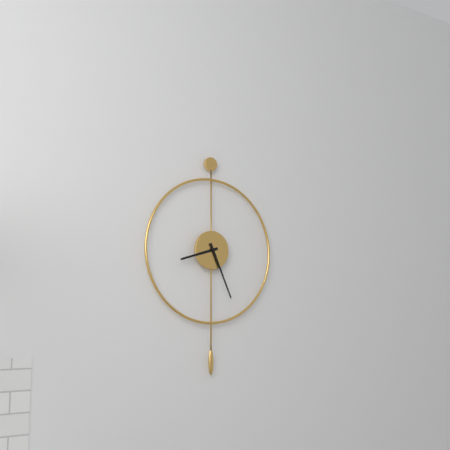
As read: h=8 m=26
